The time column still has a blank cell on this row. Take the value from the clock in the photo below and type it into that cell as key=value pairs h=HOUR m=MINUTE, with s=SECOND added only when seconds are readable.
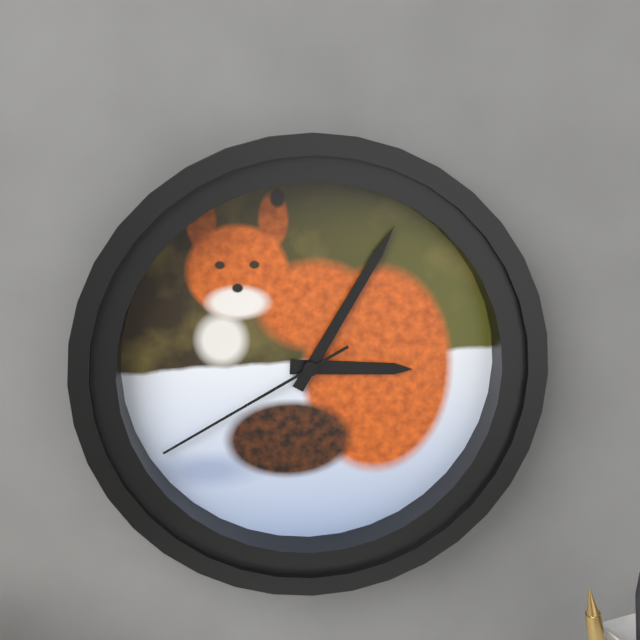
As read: h=3 m=5 s=40
